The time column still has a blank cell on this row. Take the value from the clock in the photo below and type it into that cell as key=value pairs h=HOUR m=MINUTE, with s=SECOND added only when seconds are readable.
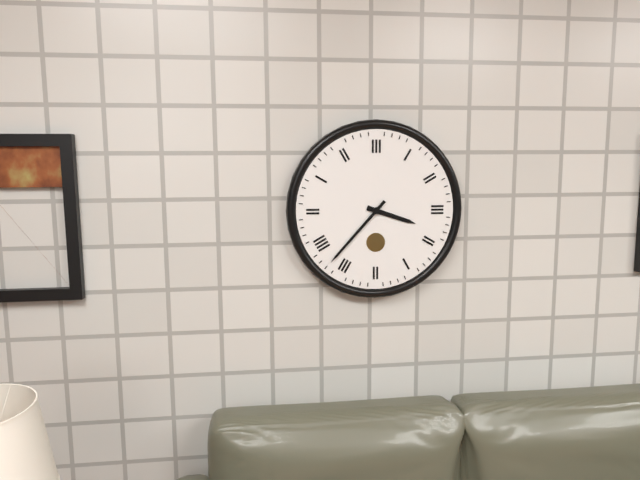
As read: h=3 m=37
